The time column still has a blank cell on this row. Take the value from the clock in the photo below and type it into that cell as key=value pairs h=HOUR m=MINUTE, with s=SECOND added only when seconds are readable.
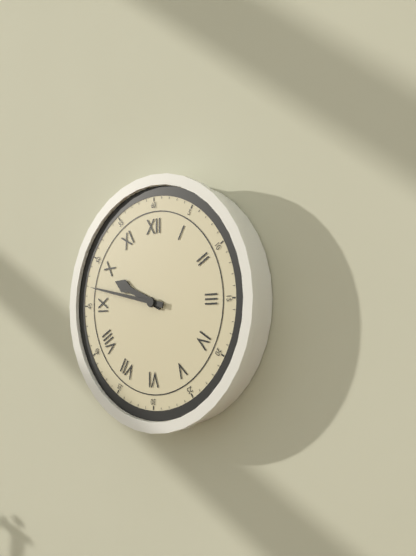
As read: h=9 m=47
